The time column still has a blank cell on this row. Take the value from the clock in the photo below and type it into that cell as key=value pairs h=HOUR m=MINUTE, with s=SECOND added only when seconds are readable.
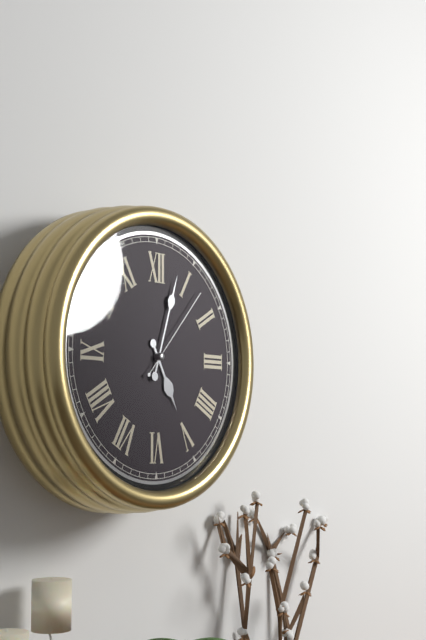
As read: h=5 m=3 s=7
